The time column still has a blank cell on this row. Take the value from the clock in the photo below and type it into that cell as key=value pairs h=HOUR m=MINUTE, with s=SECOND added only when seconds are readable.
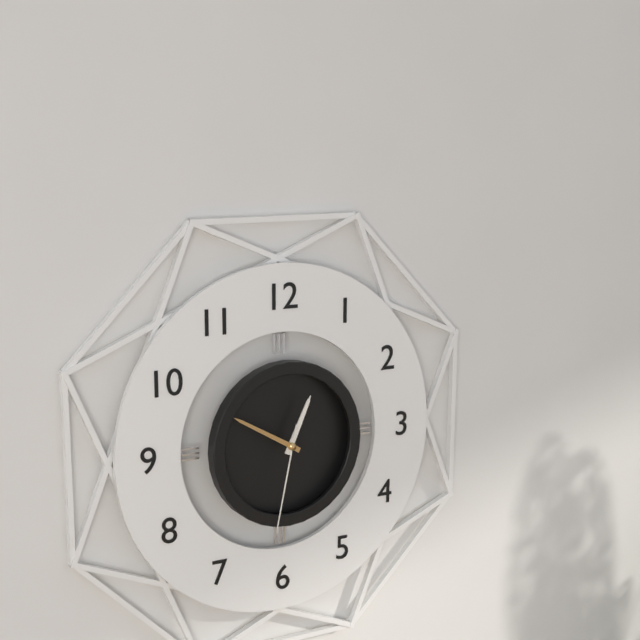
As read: h=12 m=50 s=32
